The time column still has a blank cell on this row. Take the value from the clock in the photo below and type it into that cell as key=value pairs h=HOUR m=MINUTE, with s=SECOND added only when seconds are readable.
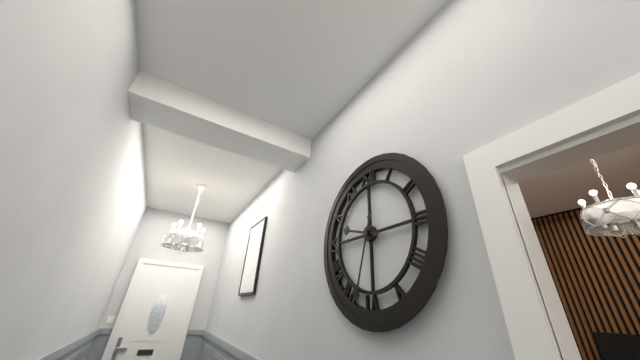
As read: h=9 m=33
